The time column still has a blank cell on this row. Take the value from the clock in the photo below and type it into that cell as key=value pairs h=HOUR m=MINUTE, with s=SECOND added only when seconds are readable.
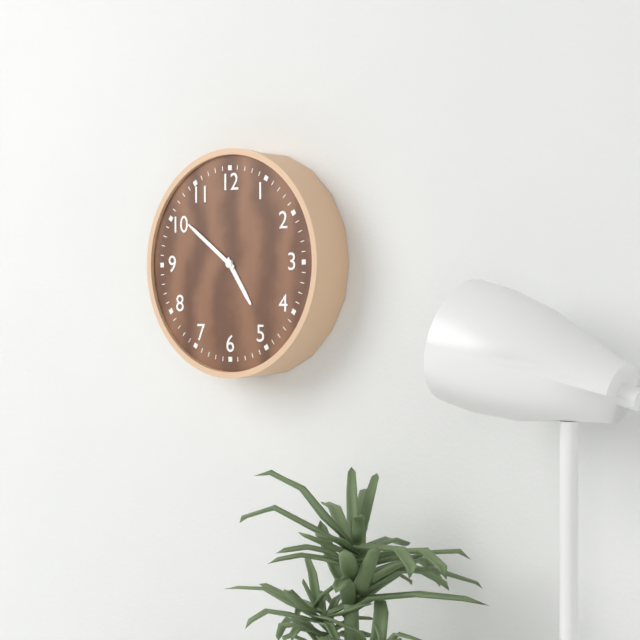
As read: h=4 m=51
